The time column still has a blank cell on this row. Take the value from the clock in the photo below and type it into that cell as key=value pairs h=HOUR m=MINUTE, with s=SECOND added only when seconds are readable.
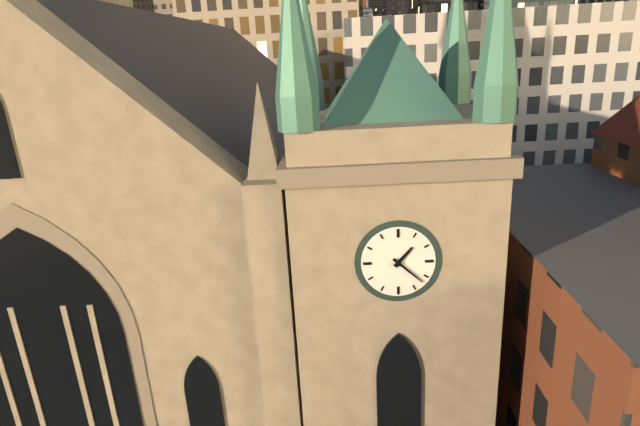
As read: h=1 m=22
